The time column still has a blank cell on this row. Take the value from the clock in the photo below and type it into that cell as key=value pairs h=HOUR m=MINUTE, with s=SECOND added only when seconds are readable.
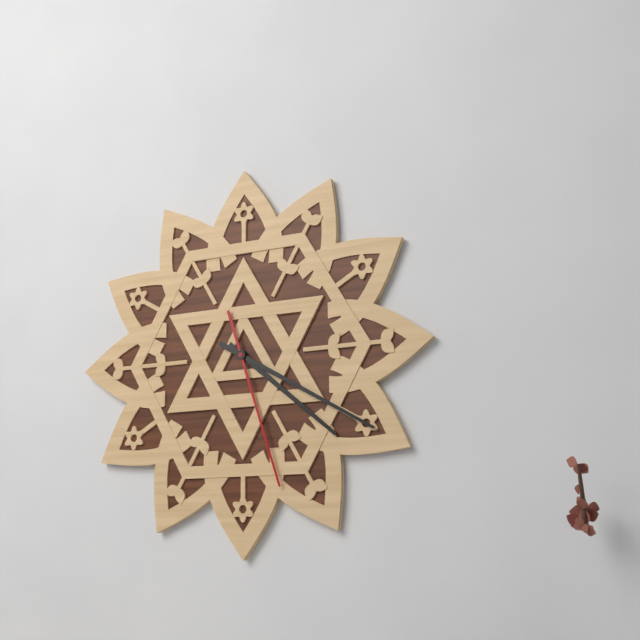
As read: h=4 m=20 s=27
